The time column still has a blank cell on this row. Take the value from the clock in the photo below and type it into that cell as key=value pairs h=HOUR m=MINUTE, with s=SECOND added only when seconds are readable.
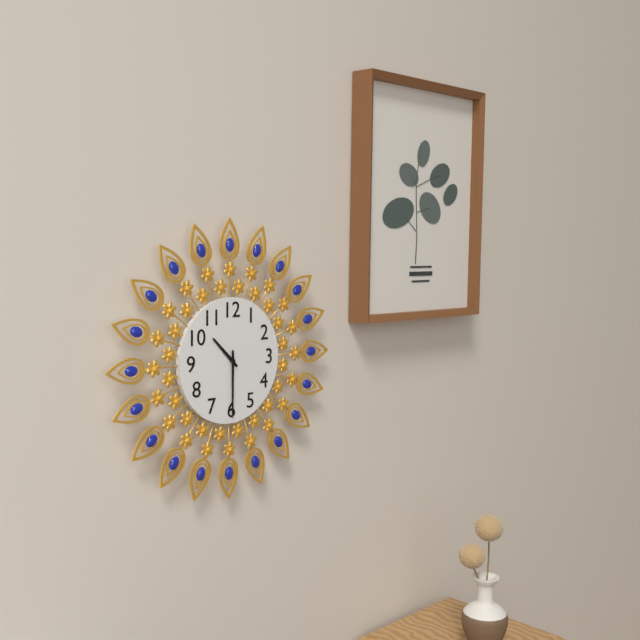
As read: h=10 m=30
